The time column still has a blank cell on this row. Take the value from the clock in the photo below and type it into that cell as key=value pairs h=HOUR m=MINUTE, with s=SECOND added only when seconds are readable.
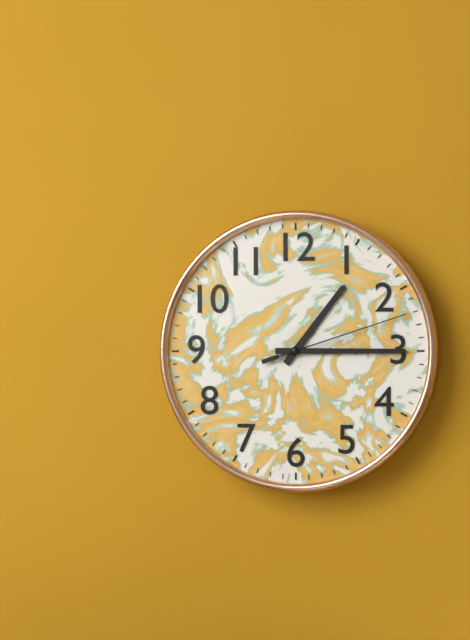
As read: h=1 m=15 s=12
